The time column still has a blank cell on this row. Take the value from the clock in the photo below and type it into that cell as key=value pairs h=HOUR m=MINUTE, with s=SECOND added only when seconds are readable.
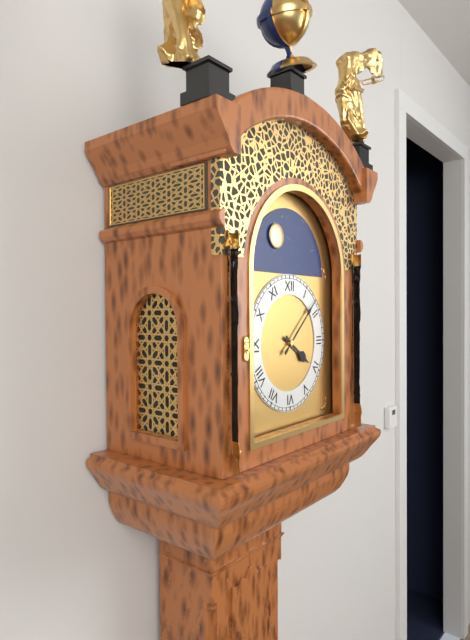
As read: h=4 m=8
